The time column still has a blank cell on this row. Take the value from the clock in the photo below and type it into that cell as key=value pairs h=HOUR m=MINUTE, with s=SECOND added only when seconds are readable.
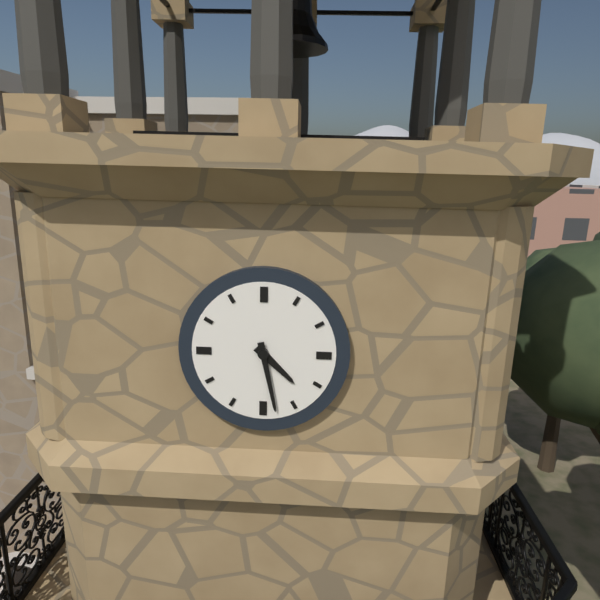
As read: h=4 m=28
